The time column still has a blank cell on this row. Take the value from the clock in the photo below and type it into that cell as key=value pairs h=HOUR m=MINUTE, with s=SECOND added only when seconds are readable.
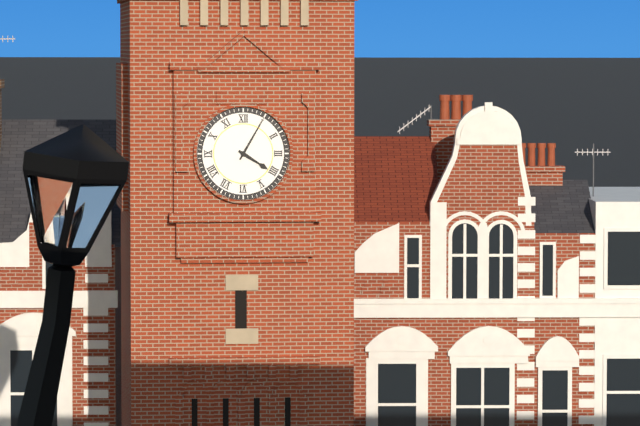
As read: h=4 m=5
